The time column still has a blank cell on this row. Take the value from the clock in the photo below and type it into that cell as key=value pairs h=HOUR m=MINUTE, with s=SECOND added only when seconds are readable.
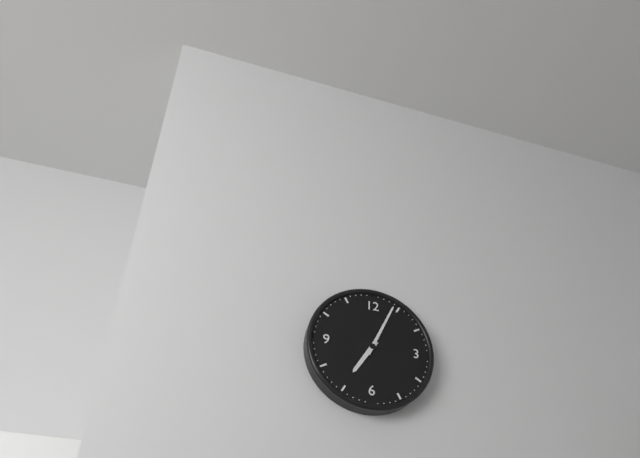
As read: h=7 m=4
